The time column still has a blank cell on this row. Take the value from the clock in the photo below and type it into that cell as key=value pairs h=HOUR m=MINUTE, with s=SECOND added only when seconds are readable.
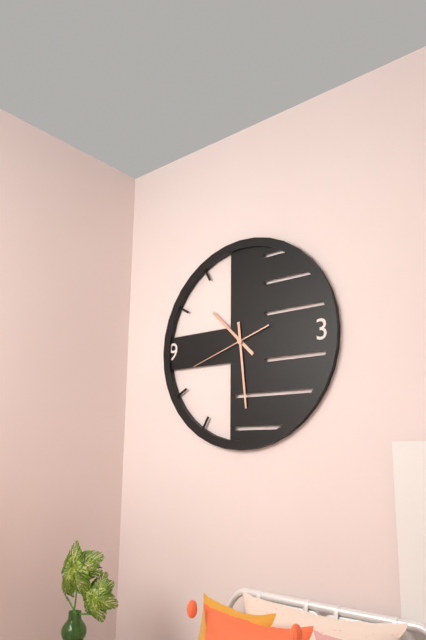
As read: h=10 m=29 s=42
